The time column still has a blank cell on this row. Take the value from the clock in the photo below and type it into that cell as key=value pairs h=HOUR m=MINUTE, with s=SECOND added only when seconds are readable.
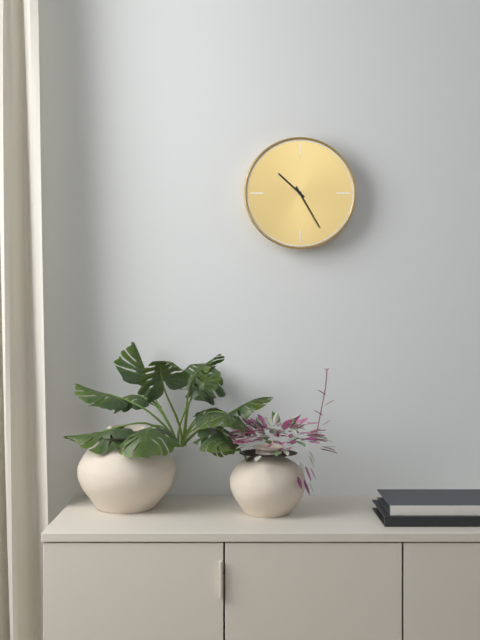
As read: h=10 m=25
